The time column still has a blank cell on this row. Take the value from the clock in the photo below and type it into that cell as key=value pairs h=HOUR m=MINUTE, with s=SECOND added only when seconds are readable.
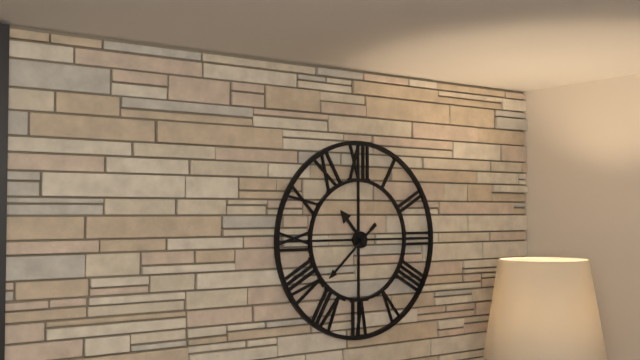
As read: h=10 m=38
